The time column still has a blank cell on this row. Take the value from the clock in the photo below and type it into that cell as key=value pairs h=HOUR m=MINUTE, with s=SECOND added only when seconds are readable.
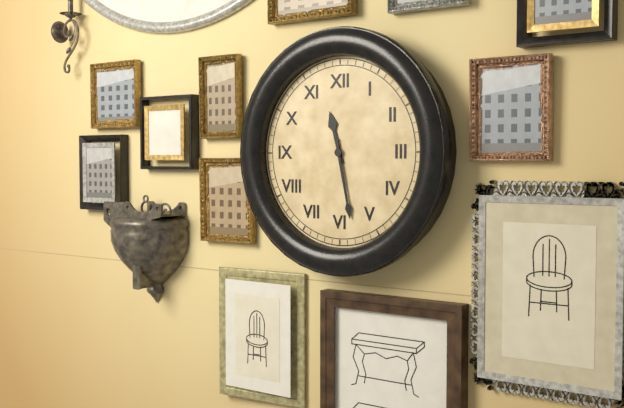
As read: h=11 m=28
